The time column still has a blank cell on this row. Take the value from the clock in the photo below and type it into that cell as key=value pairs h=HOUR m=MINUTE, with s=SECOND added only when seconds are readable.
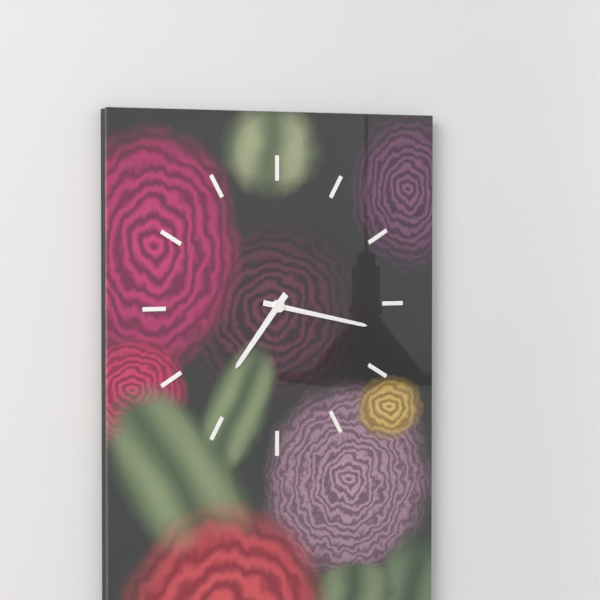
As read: h=7 m=17
